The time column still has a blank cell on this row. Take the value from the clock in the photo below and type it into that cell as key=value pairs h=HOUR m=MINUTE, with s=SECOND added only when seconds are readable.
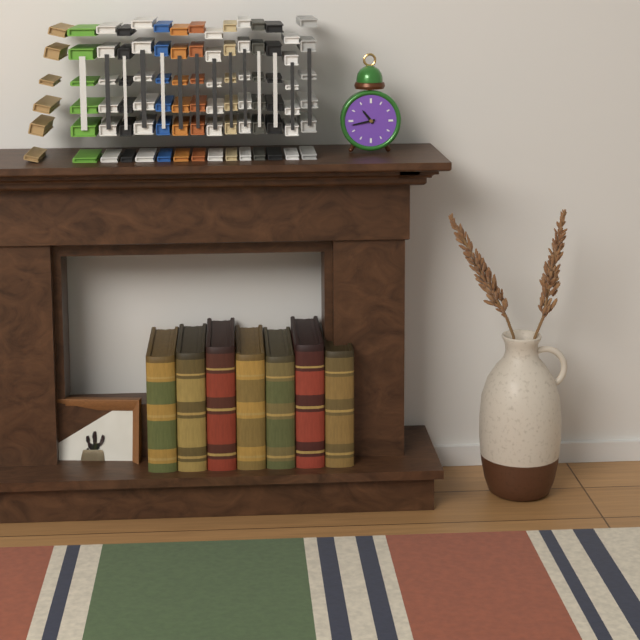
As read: h=10 m=43
